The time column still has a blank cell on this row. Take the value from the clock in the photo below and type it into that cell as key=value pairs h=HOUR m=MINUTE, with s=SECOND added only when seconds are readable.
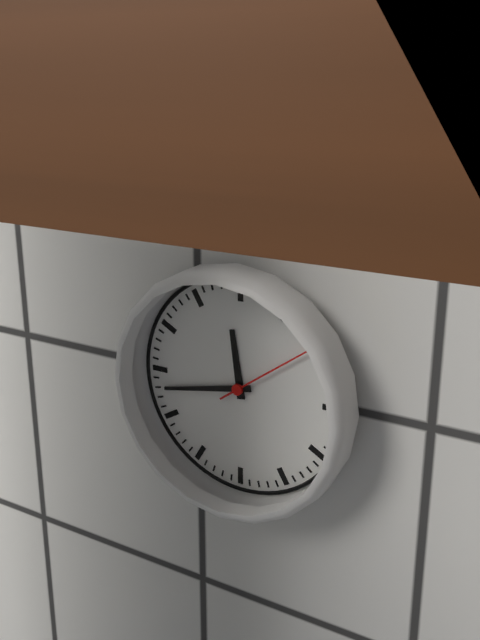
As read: h=11 m=43 s=9
